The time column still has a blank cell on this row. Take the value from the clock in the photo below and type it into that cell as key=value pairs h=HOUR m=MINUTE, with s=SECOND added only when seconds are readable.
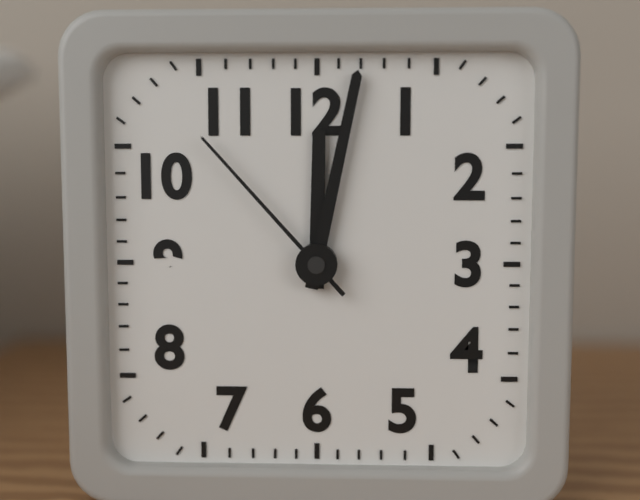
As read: h=12 m=2 s=53
